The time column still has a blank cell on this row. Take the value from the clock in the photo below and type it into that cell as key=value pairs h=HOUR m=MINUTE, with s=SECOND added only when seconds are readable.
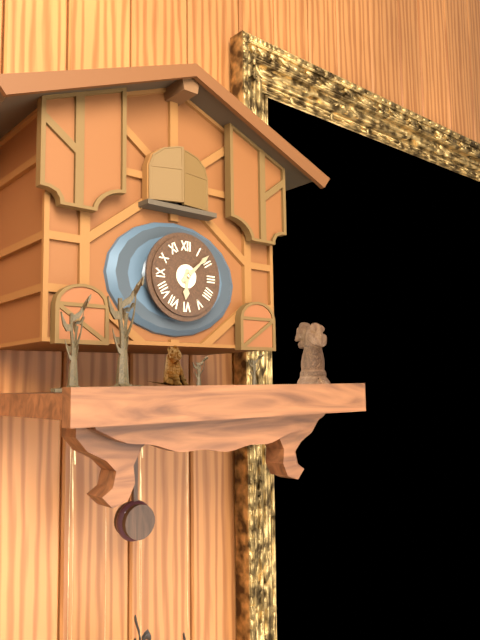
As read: h=6 m=8
